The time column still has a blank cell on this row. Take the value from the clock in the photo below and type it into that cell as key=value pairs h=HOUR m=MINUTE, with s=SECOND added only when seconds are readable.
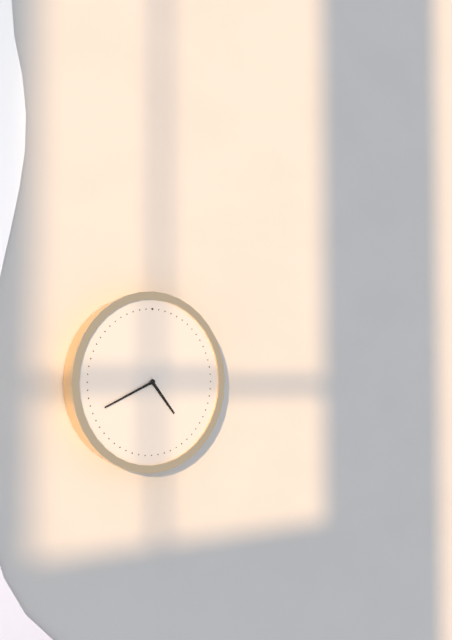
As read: h=4 m=41
